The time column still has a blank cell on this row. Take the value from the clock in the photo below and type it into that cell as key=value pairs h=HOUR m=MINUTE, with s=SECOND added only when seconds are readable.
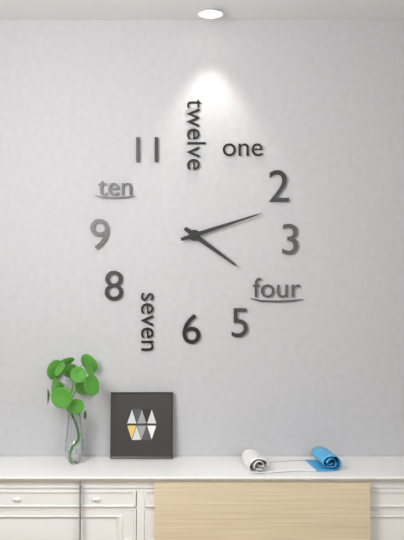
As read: h=4 m=12
